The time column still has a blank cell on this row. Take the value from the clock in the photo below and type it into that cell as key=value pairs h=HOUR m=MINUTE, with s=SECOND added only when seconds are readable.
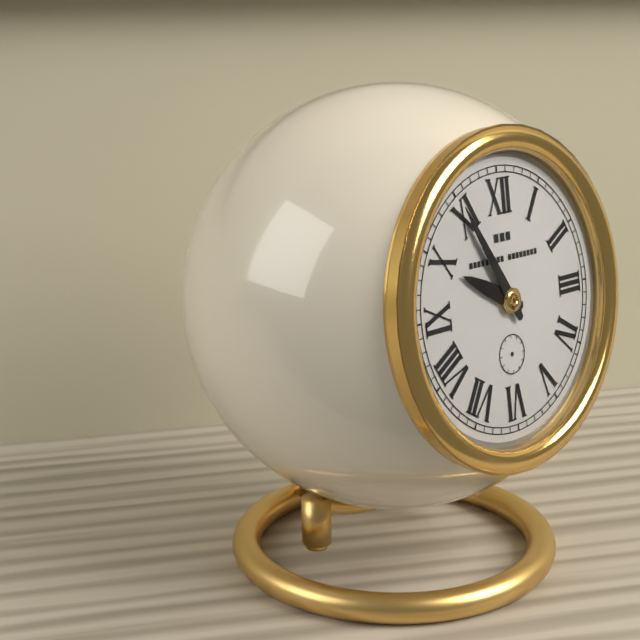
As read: h=9 m=55
